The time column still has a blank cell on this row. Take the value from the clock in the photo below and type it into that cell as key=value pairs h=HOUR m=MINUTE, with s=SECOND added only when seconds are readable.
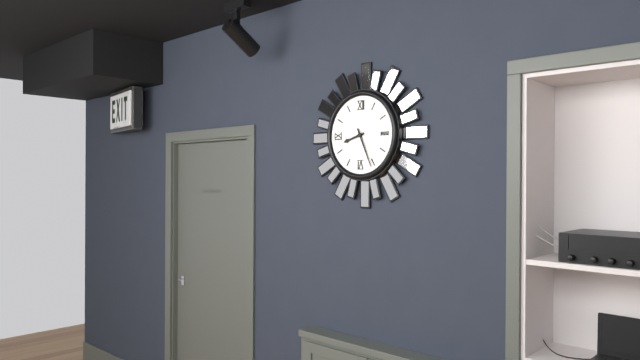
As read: h=8 m=26
